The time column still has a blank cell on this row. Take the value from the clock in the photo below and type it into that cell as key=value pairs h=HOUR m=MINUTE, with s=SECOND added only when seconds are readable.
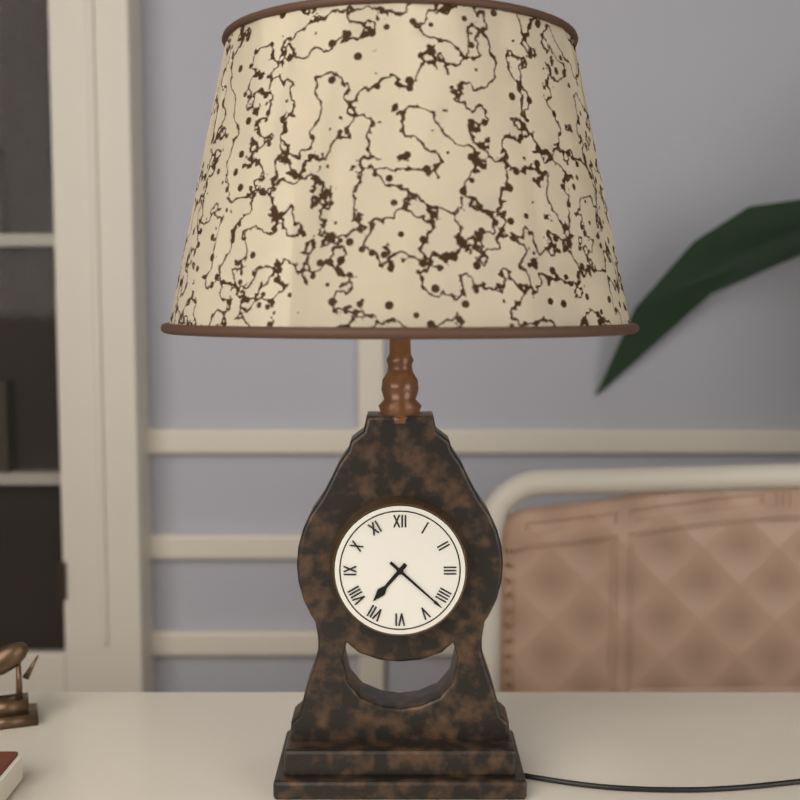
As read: h=7 m=22
